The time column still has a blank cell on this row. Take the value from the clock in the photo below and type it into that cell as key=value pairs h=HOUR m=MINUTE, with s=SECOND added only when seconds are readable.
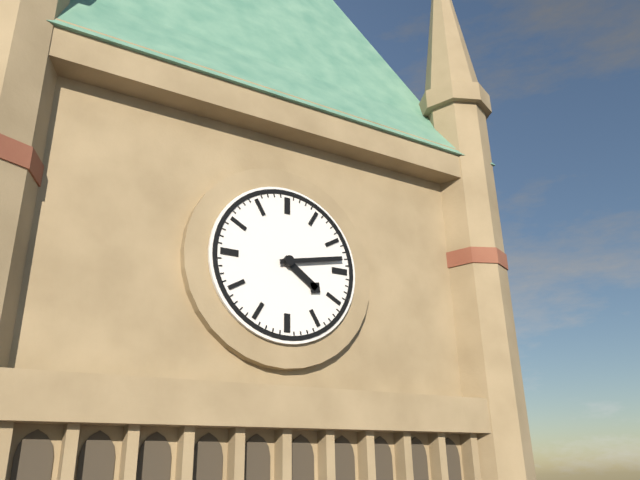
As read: h=4 m=13
